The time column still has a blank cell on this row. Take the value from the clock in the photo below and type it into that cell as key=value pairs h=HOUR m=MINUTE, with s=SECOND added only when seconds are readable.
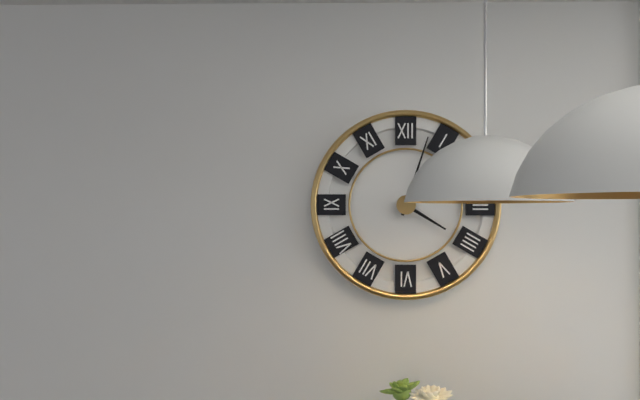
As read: h=4 m=3
